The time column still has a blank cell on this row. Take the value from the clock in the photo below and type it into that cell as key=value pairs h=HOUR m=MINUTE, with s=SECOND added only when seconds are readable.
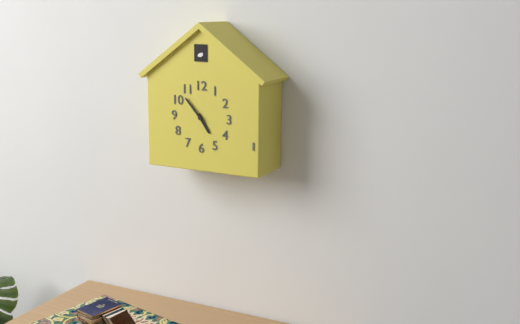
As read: h=4 m=53
